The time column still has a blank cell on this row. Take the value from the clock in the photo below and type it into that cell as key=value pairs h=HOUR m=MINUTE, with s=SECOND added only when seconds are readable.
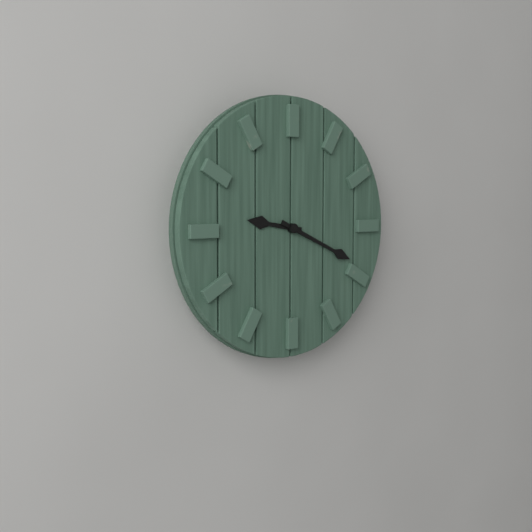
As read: h=9 m=19
